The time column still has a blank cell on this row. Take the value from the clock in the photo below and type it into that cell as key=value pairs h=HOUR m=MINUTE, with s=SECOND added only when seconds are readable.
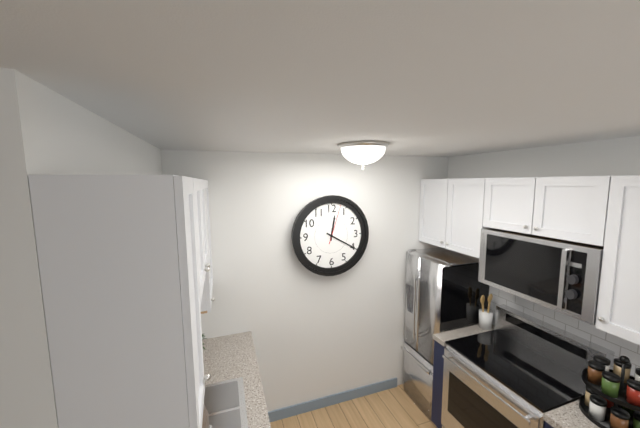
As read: h=12 m=20
